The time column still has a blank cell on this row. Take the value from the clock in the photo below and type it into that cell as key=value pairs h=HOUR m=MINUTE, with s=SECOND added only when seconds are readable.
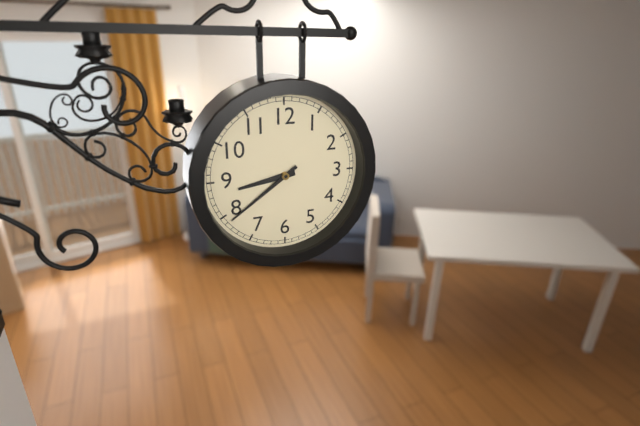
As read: h=8 m=39
